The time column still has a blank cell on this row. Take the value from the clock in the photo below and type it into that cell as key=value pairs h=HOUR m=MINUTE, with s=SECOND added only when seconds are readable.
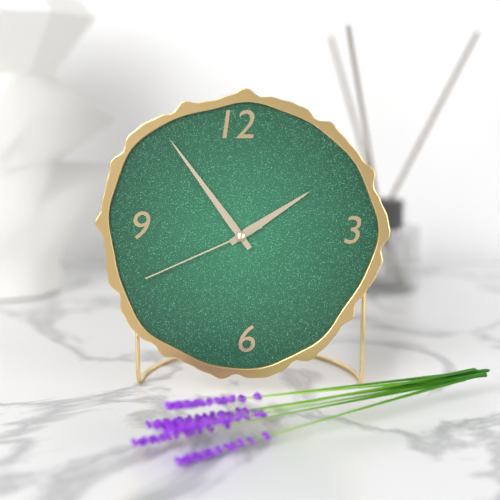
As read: h=1 m=54 s=41
